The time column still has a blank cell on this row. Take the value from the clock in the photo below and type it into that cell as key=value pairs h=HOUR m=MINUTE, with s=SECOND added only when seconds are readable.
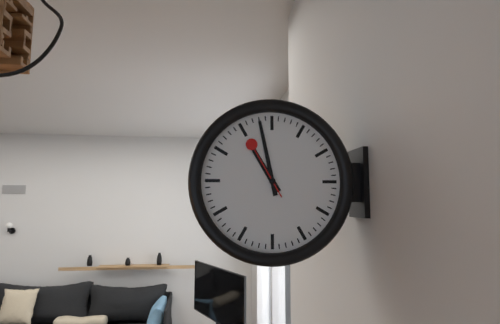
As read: h=10 m=58 s=55
